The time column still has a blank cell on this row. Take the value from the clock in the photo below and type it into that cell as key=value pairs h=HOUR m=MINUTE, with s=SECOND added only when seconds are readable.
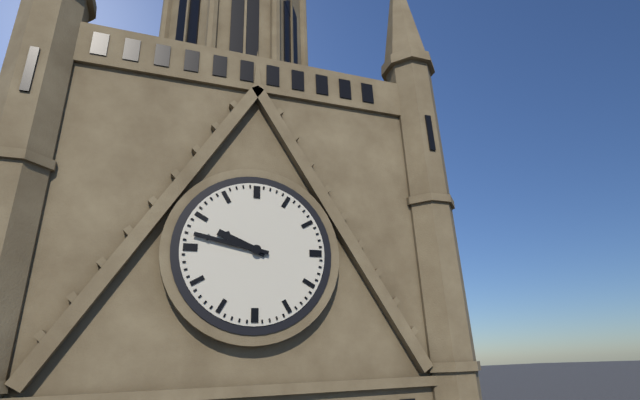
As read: h=9 m=47
